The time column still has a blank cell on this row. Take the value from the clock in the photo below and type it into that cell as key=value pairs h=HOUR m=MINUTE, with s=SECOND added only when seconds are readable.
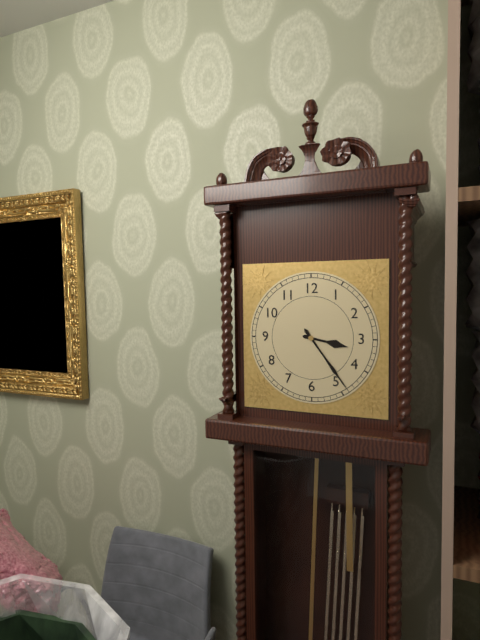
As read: h=3 m=24
